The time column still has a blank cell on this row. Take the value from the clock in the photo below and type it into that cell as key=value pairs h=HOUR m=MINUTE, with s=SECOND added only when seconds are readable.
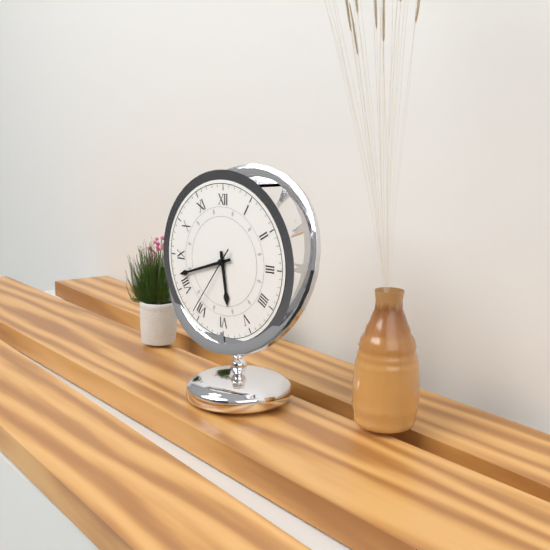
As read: h=5 m=42 s=36
